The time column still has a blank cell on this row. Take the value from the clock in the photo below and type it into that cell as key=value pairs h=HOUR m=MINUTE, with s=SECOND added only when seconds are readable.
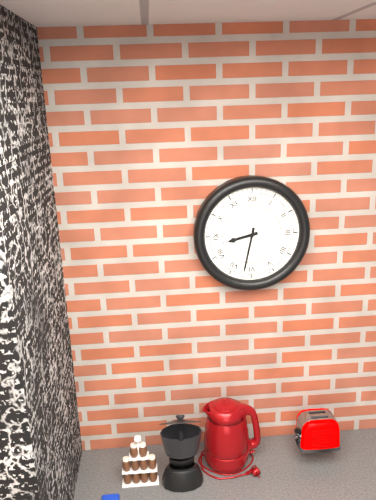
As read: h=8 m=32
